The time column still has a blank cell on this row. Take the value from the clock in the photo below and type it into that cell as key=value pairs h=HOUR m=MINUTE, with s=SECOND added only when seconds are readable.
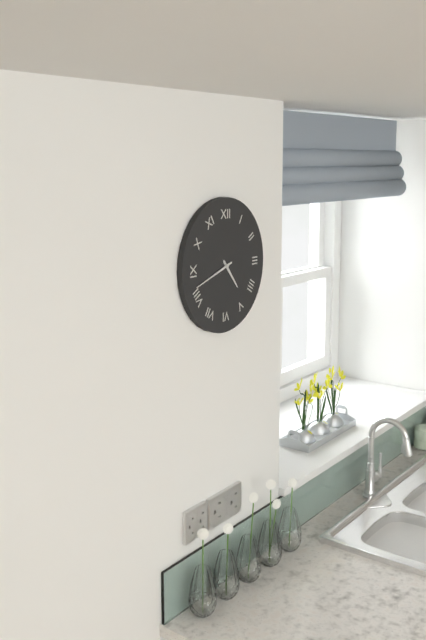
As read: h=4 m=42
